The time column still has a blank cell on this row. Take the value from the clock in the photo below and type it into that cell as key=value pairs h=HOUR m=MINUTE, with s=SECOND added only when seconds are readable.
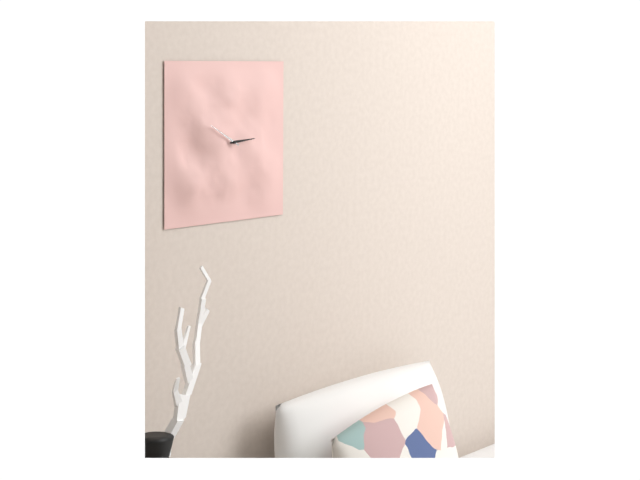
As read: h=2 m=50
